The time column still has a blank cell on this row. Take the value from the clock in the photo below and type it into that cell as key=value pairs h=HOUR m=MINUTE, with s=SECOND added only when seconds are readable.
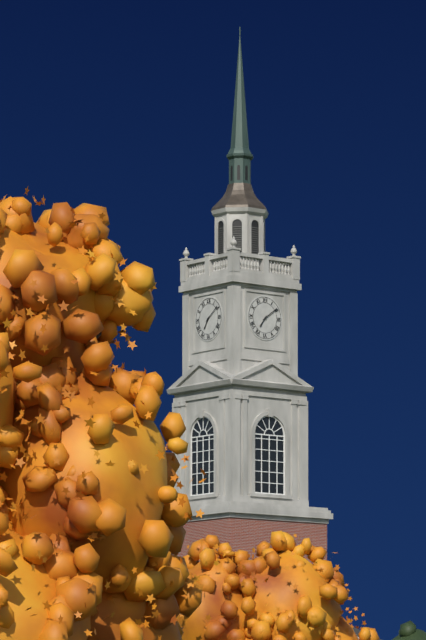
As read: h=7 m=9
